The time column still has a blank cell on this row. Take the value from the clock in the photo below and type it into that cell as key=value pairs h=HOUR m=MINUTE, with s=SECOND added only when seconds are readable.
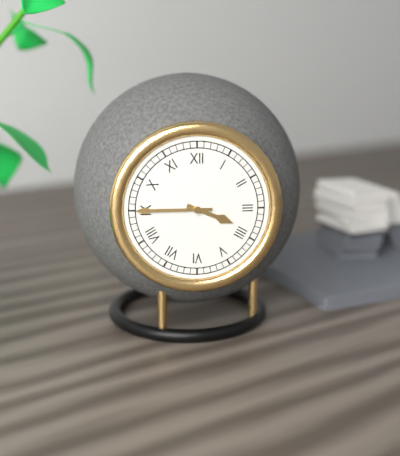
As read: h=3 m=45
